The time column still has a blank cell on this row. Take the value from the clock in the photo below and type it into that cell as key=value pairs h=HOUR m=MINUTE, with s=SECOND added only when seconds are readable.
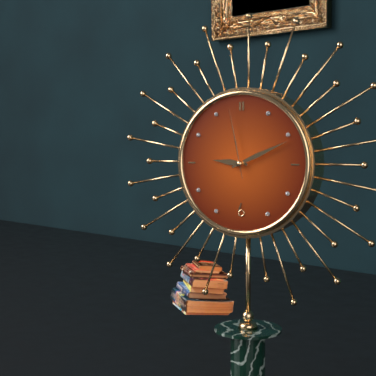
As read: h=9 m=11 s=58
